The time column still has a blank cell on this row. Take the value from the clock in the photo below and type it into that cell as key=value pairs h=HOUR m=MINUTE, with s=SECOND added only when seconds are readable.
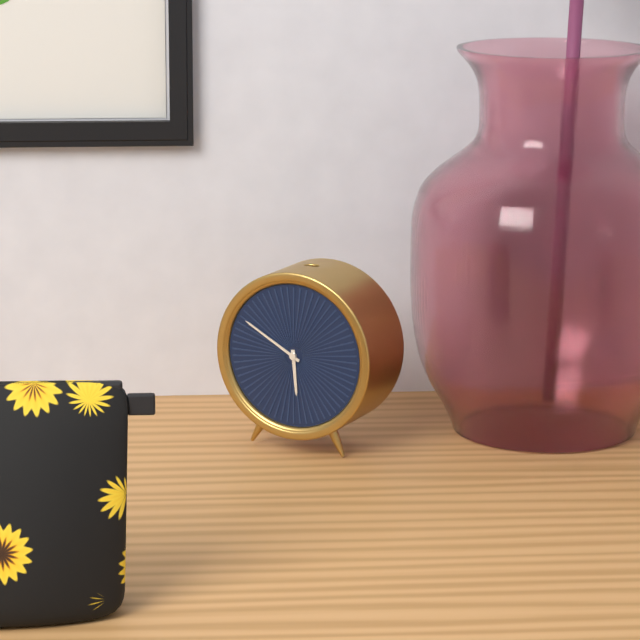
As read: h=5 m=50
